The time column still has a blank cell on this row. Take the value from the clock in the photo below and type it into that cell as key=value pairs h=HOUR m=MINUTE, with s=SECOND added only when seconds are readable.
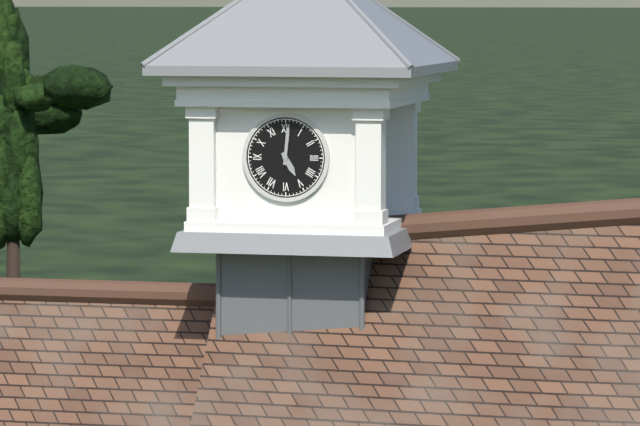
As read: h=5 m=1
